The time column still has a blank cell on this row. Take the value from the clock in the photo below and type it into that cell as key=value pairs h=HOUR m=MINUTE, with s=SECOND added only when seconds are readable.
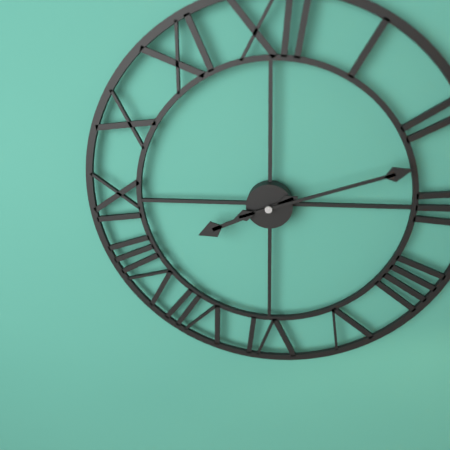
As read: h=8 m=12
